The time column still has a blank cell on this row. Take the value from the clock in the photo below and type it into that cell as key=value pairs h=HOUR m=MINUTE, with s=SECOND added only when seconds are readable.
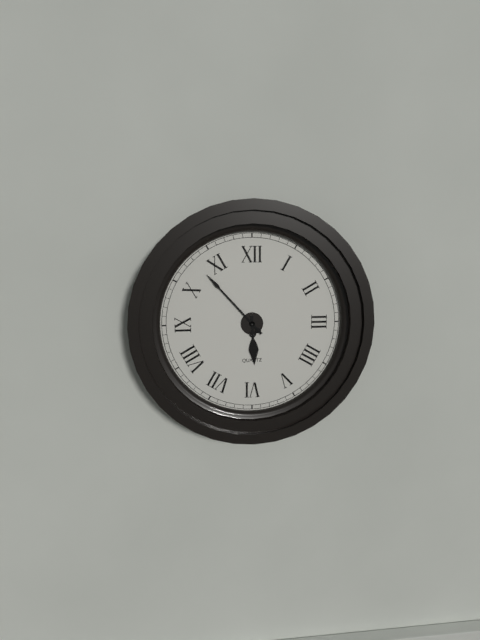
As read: h=5 m=53
